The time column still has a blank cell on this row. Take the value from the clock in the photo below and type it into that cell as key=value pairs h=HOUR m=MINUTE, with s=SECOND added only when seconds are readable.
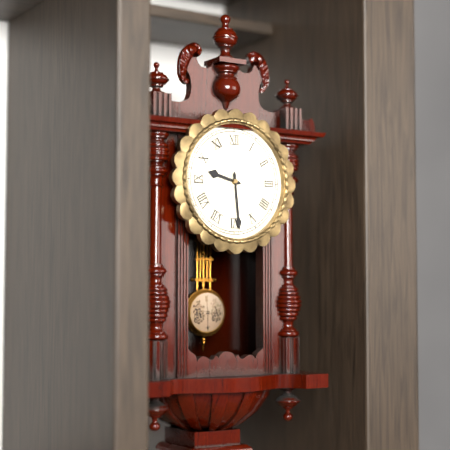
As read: h=9 m=29
